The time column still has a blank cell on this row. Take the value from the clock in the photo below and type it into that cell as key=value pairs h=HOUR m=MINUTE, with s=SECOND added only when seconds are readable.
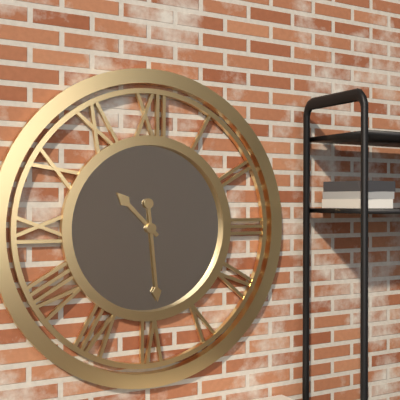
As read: h=10 m=29
